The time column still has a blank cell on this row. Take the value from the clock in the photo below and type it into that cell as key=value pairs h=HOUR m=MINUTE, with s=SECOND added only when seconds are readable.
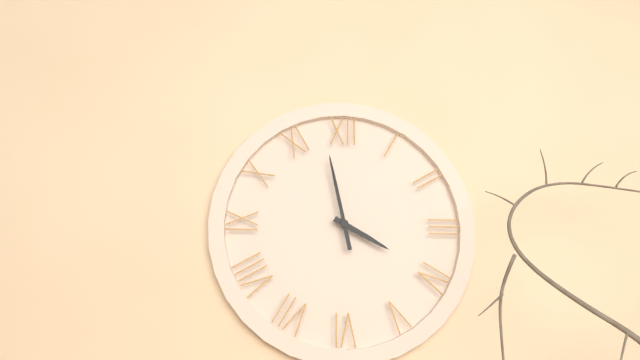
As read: h=3 m=58
